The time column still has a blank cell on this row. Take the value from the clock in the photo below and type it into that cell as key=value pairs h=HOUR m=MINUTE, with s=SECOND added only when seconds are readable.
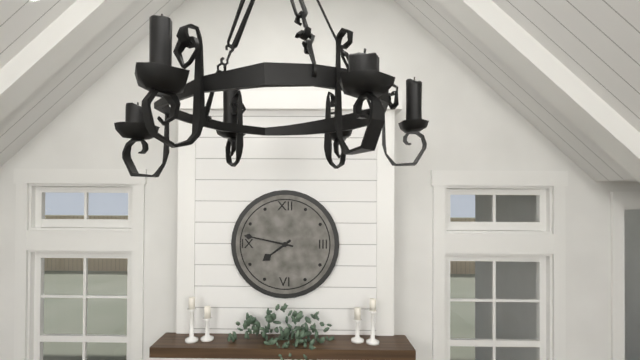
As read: h=7 m=47
